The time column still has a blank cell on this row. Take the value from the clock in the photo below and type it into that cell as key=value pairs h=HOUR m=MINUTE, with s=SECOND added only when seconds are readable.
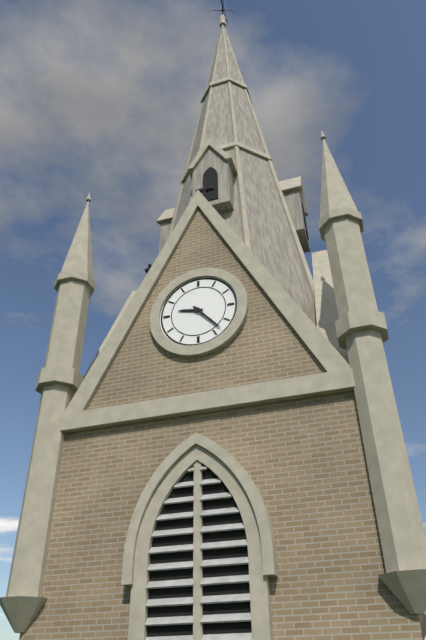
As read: h=9 m=23
